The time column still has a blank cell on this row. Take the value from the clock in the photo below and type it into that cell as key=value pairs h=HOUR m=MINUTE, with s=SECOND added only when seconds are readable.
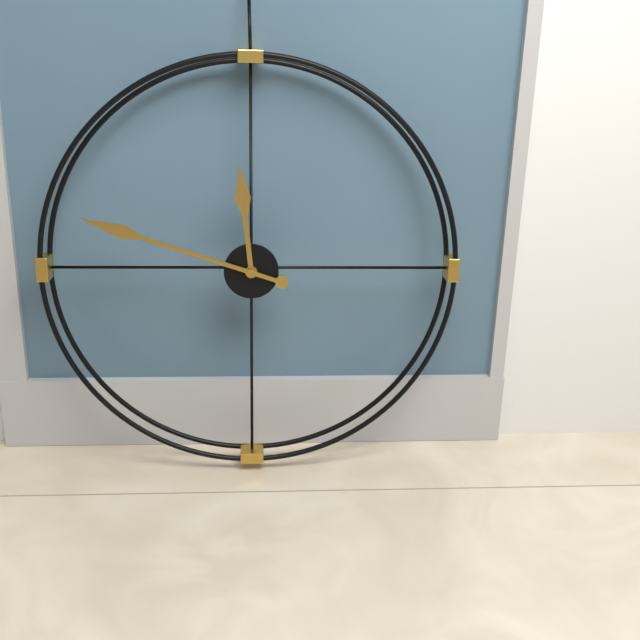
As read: h=11 m=48
